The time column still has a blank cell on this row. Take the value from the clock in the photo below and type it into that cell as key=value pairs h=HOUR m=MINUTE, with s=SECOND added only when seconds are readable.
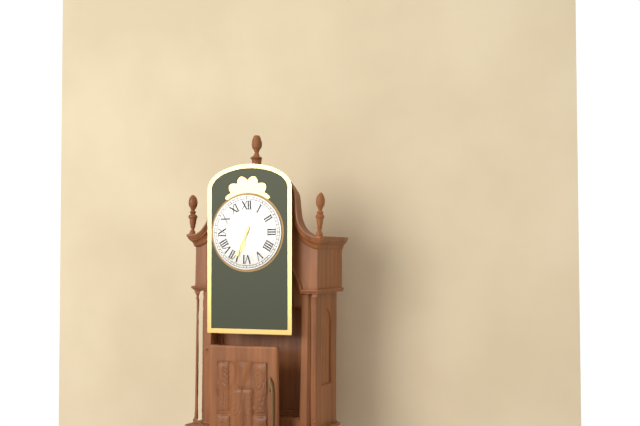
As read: h=6 m=34
